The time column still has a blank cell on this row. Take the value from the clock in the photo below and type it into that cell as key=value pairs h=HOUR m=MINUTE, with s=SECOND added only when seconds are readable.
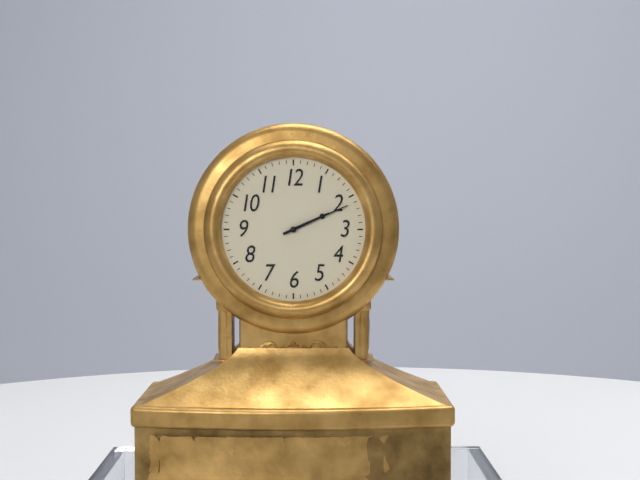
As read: h=2 m=11
